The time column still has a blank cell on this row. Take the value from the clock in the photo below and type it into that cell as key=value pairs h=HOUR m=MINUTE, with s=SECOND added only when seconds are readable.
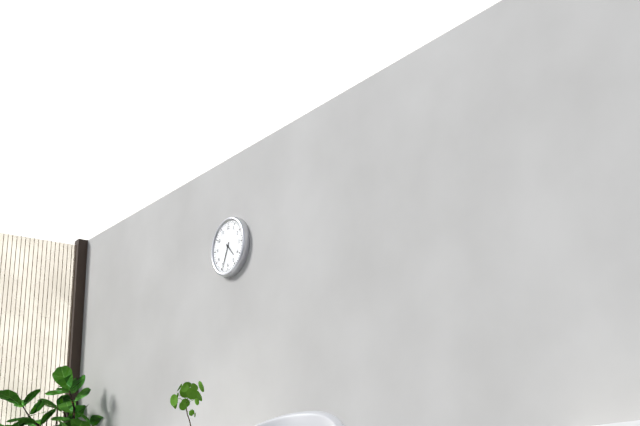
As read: h=4 m=34
